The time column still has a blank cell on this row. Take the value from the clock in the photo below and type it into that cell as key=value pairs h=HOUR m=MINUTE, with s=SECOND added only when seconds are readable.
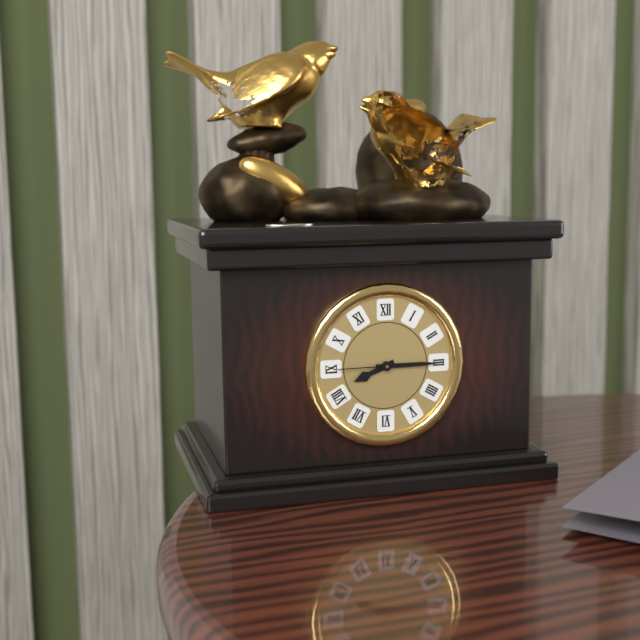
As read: h=8 m=15 s=45
